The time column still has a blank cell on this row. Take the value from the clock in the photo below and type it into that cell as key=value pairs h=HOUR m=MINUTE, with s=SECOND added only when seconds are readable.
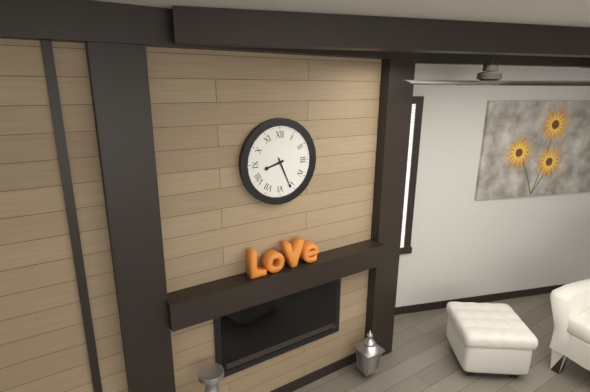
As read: h=8 m=26
